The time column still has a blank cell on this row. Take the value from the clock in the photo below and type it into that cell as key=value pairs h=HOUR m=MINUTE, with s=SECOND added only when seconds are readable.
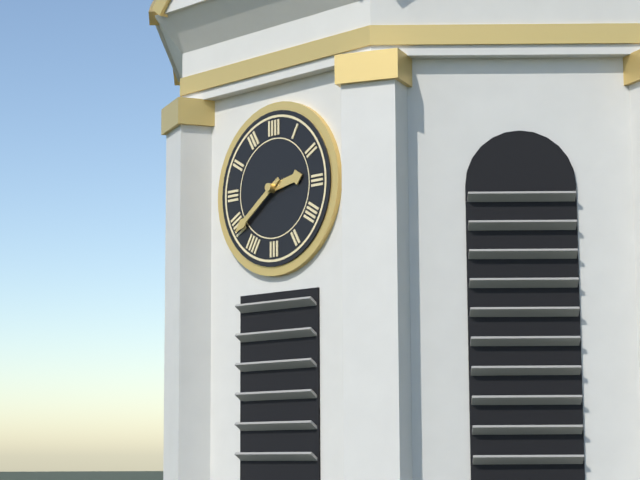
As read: h=2 m=39
